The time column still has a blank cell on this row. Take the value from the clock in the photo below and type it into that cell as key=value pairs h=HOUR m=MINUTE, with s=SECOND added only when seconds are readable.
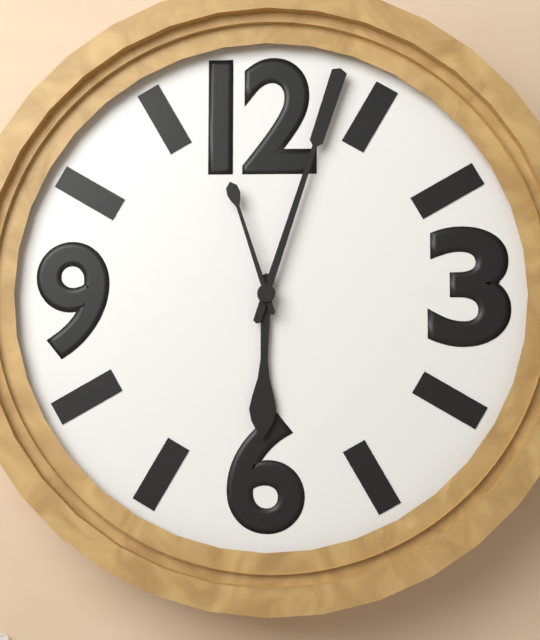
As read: h=6 m=3 s=57
